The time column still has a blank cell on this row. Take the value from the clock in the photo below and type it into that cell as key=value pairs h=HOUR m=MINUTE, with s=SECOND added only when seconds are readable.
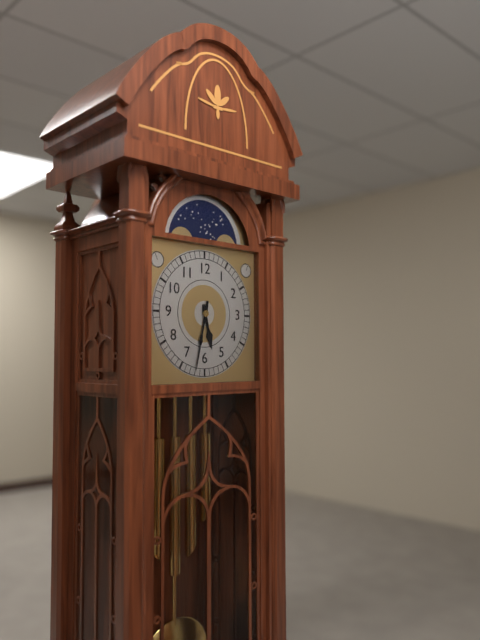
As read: h=5 m=32
